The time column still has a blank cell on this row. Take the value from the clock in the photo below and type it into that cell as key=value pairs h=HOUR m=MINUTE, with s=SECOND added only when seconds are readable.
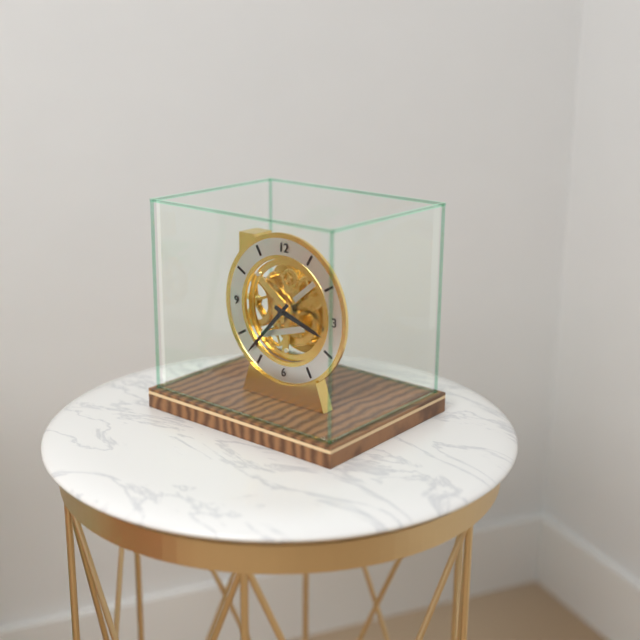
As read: h=3 m=37
